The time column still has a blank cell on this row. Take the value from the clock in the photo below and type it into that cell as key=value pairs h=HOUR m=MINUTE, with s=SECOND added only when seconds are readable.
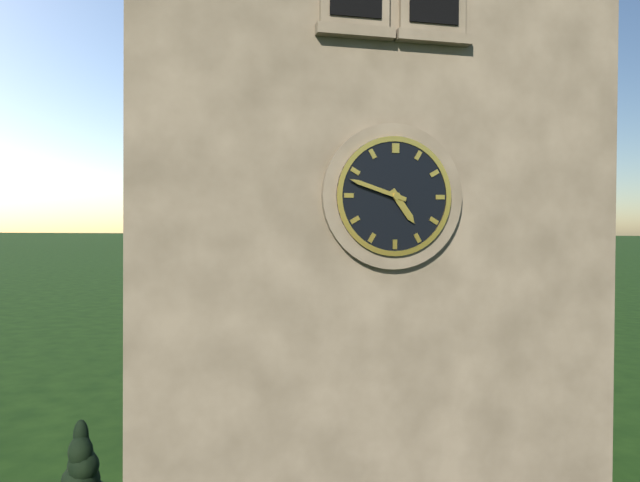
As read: h=4 m=48
